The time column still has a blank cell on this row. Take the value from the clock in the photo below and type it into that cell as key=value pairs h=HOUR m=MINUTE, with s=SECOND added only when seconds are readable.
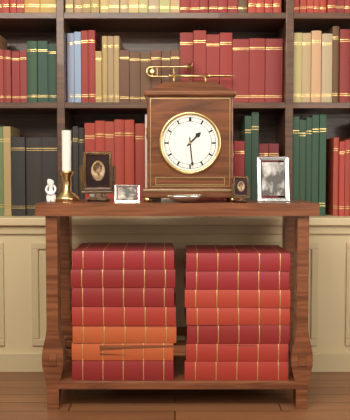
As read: h=1 m=29
